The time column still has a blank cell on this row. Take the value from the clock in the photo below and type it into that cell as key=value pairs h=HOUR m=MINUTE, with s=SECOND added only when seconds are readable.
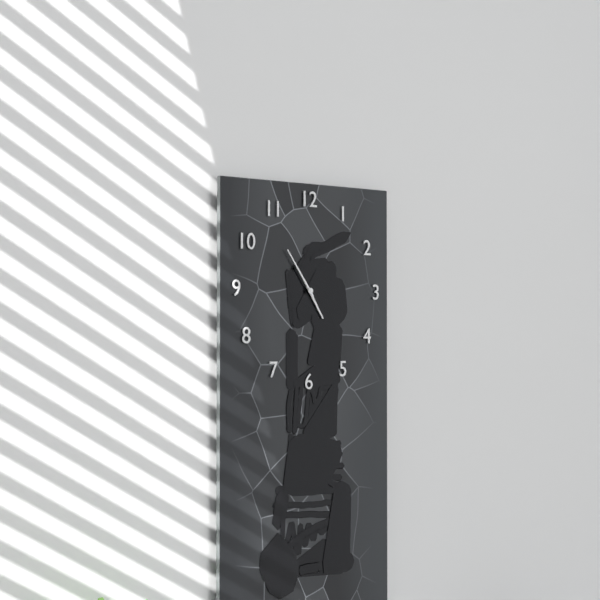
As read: h=4 m=54
